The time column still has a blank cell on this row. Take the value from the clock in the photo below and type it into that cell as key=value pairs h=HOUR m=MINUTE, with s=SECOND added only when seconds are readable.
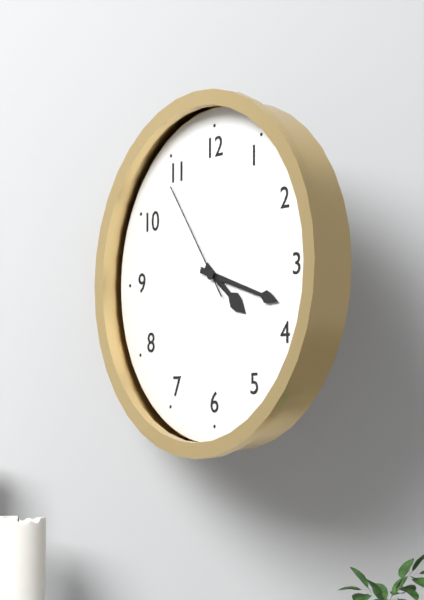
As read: h=4 m=18 s=54
